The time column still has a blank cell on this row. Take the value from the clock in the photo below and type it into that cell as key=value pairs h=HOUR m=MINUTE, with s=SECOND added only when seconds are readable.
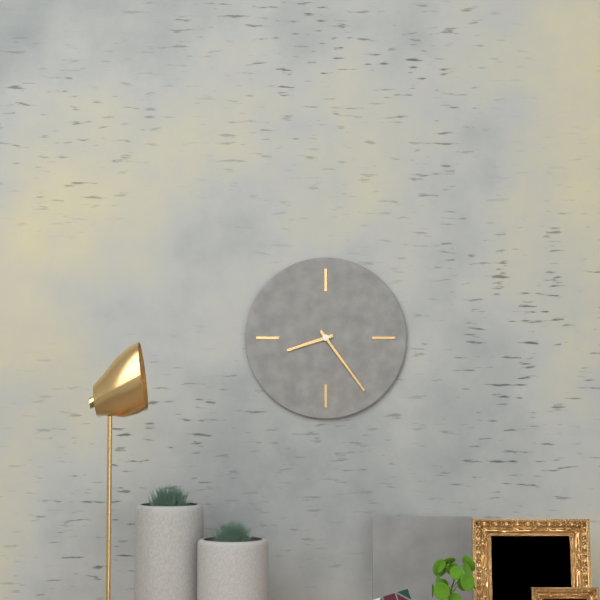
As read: h=8 m=24
